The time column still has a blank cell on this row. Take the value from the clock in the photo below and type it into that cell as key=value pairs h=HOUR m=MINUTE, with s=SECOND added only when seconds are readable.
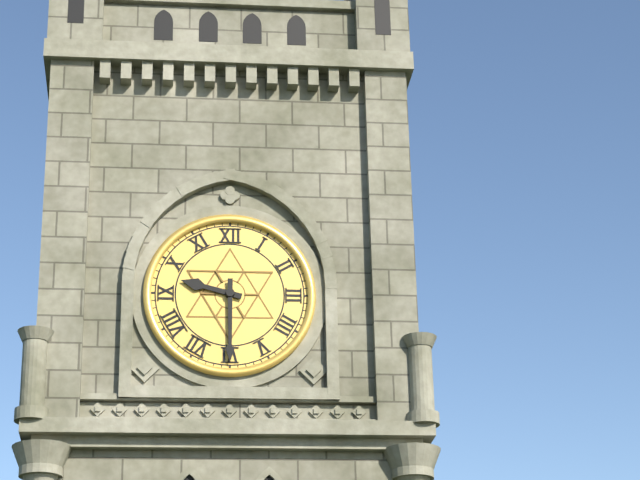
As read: h=9 m=30
